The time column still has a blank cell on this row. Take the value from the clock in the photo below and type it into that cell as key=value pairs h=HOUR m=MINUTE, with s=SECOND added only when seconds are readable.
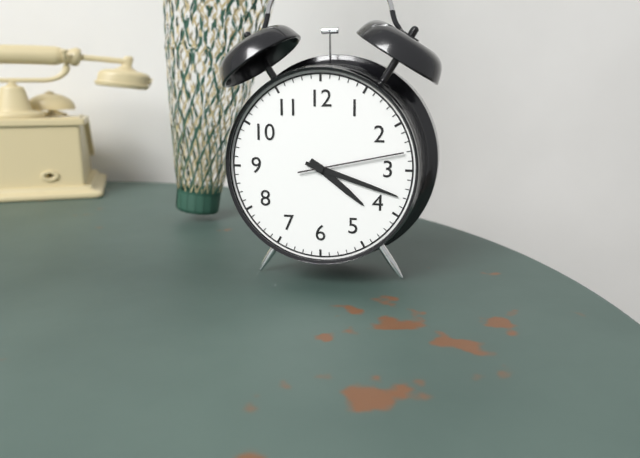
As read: h=4 m=18 s=13
